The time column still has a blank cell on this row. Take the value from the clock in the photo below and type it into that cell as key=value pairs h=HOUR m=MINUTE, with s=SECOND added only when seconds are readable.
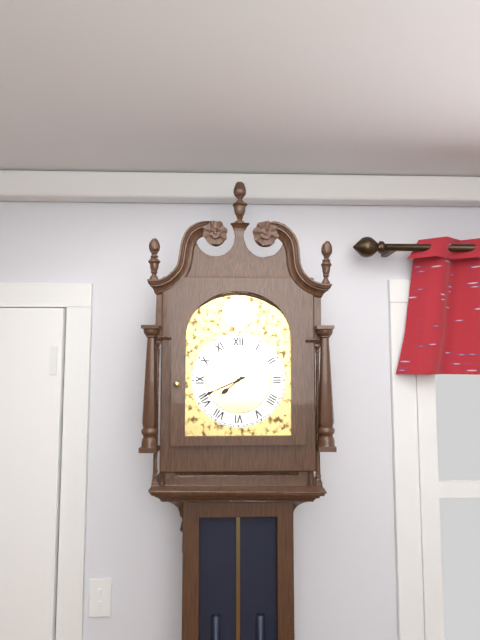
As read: h=7 m=41
